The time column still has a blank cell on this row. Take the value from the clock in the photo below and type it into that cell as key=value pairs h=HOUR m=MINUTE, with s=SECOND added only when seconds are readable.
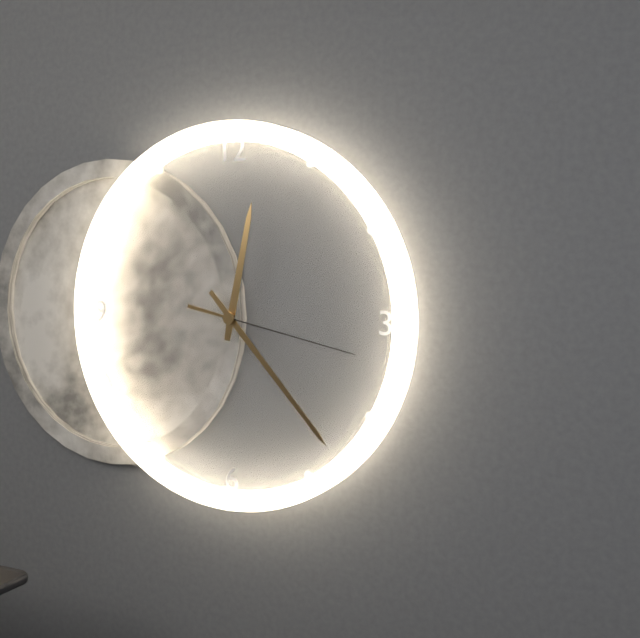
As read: h=12 m=23 s=17
